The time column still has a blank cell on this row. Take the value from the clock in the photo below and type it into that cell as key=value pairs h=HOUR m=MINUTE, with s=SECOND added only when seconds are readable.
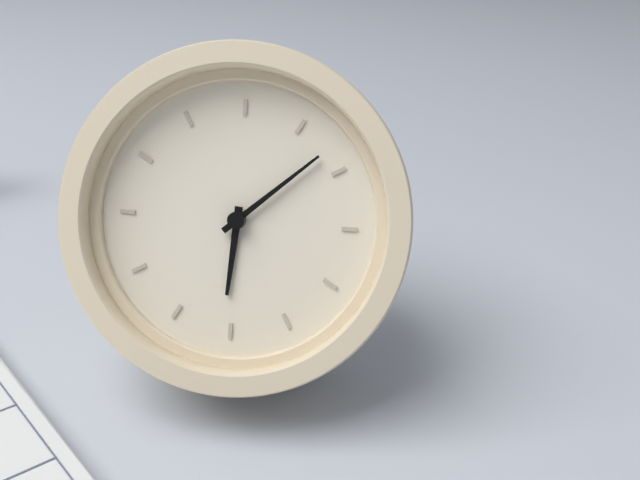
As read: h=6 m=8
